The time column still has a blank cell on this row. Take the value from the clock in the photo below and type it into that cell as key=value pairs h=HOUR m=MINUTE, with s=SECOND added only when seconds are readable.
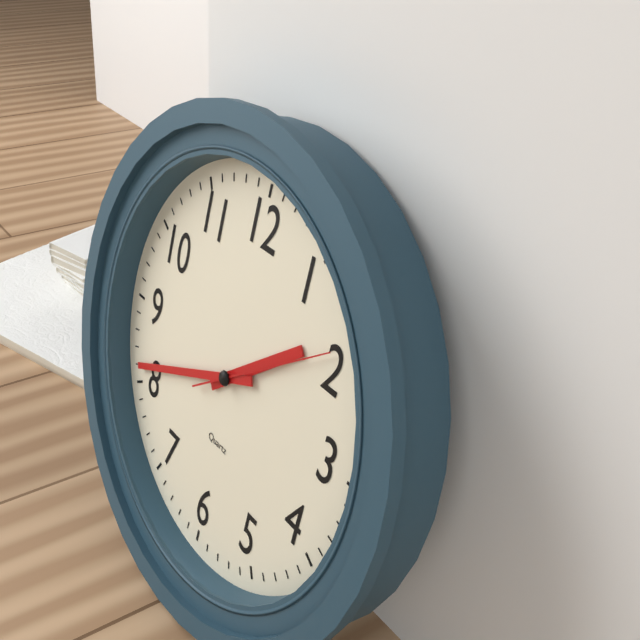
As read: h=1 m=41 s=9
